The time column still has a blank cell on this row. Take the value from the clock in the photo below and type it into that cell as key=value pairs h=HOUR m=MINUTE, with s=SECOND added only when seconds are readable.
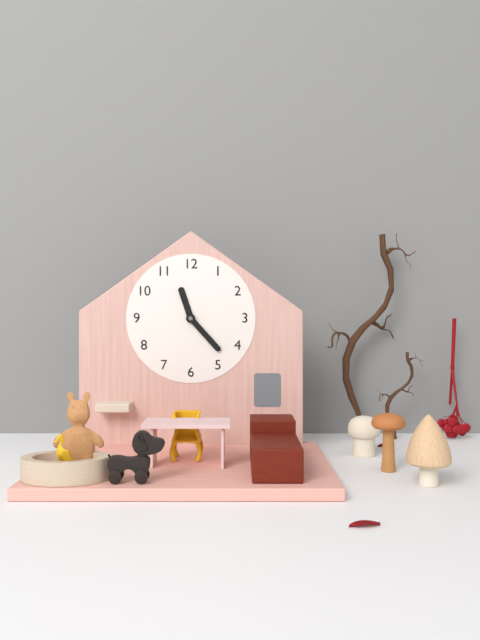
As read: h=11 m=23
